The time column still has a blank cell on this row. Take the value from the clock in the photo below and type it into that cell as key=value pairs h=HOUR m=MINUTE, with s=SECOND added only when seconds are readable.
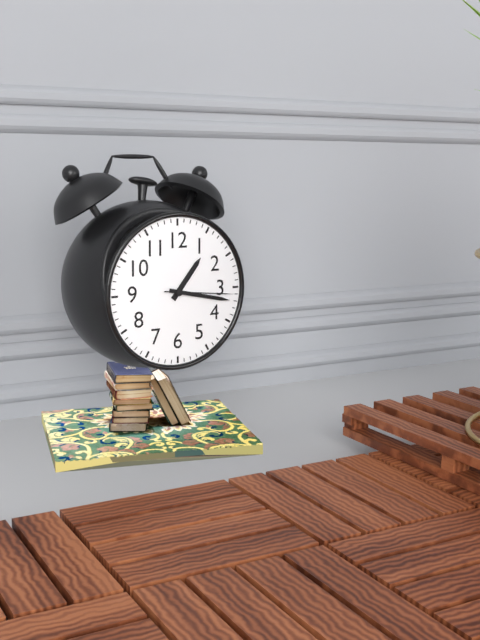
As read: h=1 m=17 s=16
